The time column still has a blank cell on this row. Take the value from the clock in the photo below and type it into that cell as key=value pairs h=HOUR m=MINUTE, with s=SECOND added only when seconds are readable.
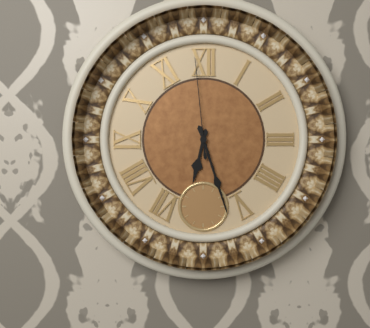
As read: h=6 m=27 s=59
